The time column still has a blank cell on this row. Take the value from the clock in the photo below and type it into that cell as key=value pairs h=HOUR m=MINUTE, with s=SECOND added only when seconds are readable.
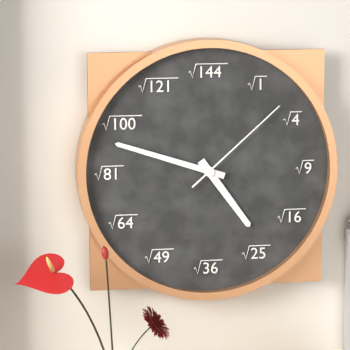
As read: h=4 m=48 s=8
